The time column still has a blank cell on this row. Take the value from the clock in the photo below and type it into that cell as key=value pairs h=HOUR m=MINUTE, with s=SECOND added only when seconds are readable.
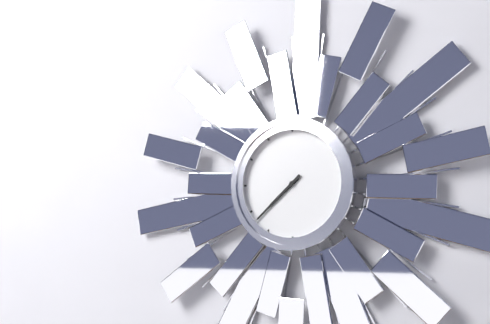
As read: h=7 m=38
